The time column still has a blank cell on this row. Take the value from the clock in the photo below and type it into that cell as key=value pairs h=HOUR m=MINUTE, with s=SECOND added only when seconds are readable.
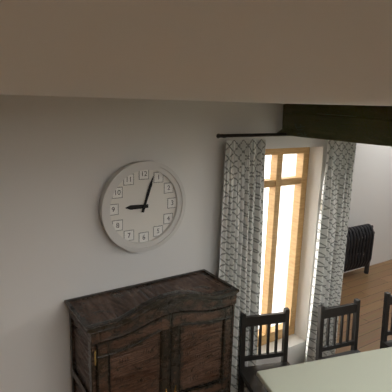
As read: h=9 m=3
